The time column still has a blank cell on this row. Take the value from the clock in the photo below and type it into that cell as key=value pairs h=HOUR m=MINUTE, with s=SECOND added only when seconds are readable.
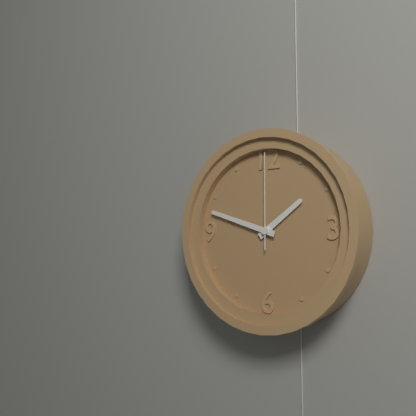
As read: h=1 m=48 s=0
